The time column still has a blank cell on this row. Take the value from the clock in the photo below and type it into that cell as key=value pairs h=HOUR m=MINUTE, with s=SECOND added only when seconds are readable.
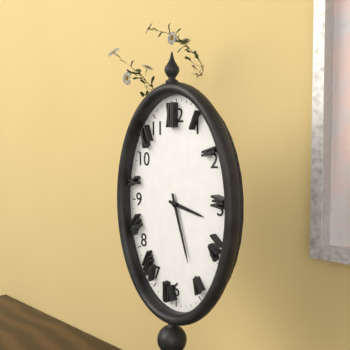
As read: h=3 m=27
